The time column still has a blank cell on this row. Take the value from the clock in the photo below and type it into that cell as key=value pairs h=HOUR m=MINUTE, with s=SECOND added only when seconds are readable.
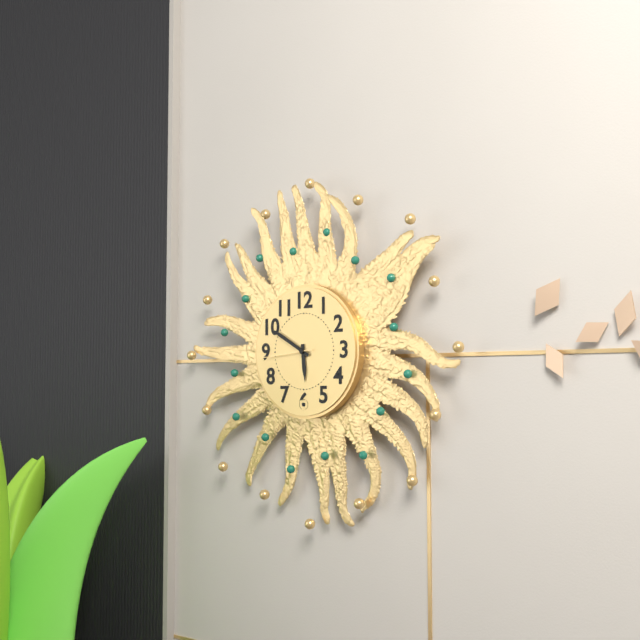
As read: h=5 m=50
